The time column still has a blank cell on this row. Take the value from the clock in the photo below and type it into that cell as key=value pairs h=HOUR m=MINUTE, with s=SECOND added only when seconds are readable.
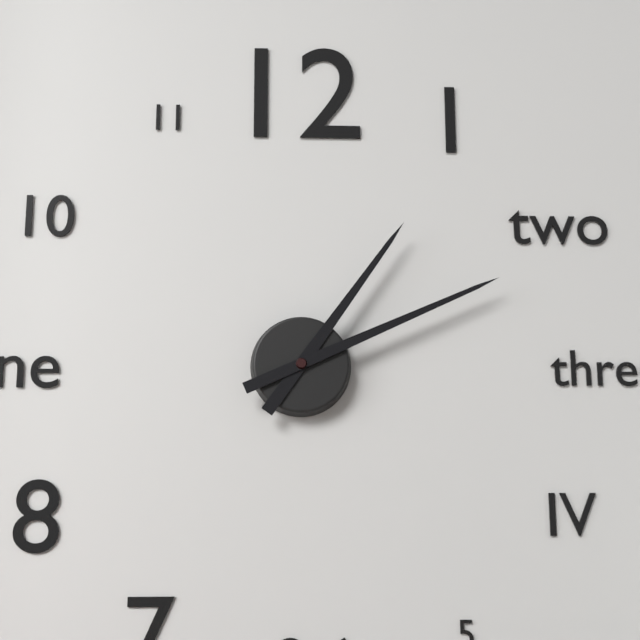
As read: h=1 m=11
